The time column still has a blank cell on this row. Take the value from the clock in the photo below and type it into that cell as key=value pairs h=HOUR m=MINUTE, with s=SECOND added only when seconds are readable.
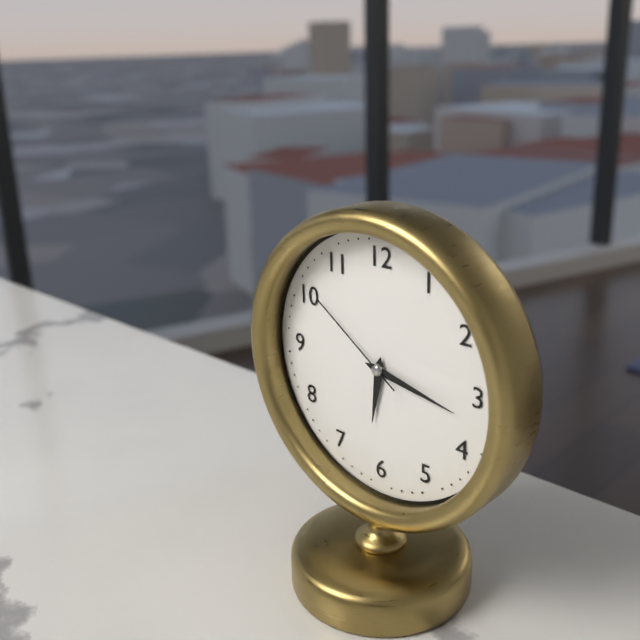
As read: h=6 m=17 s=51
